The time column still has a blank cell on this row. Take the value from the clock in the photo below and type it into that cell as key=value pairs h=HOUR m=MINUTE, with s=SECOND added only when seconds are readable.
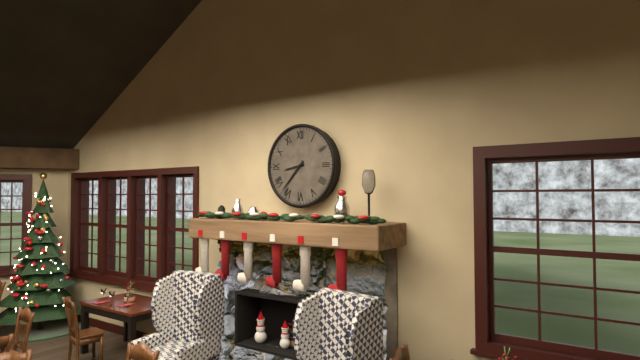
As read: h=8 m=37
